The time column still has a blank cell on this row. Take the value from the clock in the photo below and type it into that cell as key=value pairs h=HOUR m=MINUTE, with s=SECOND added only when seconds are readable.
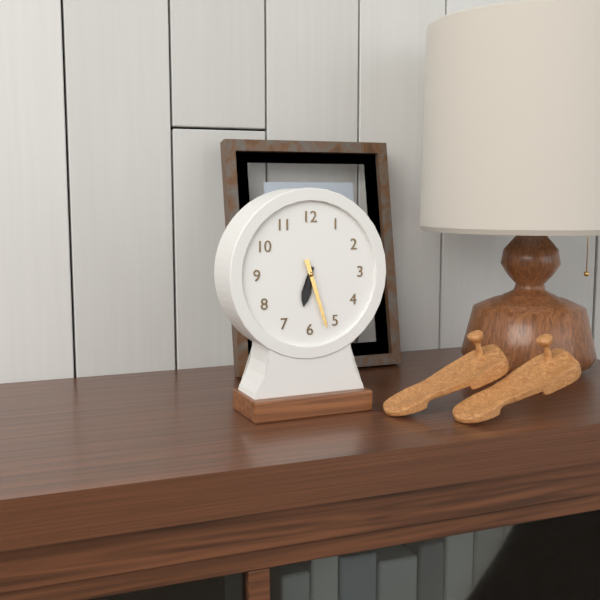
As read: h=6 m=27
